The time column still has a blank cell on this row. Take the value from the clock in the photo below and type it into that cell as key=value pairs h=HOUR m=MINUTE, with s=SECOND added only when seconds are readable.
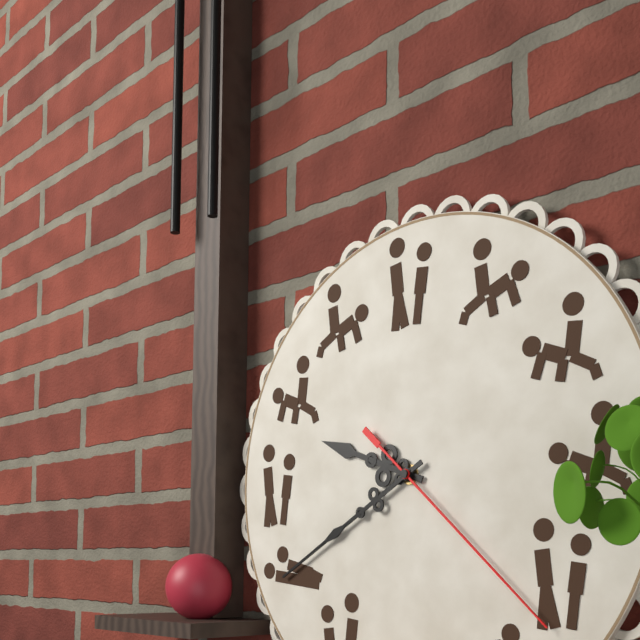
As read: h=9 m=40 s=22
